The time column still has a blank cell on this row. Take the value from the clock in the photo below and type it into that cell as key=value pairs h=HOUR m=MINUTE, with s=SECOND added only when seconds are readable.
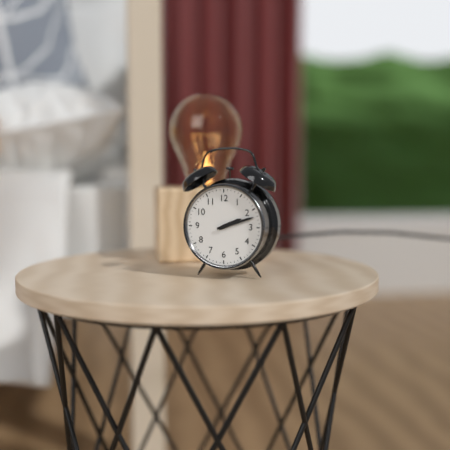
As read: h=2 m=12
